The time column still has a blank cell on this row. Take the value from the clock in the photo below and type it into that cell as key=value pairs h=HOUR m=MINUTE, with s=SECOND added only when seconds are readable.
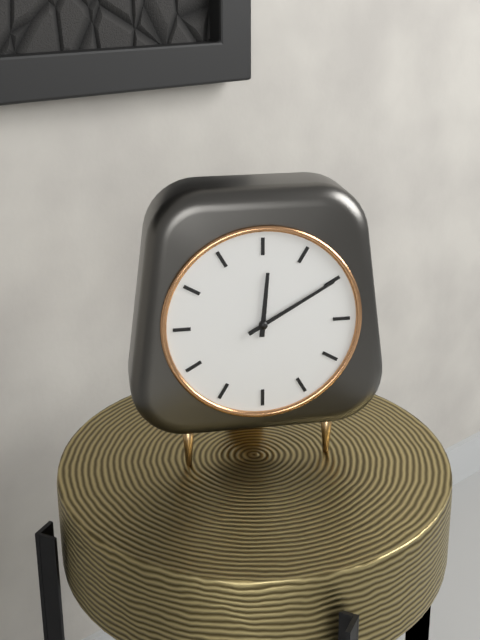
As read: h=12 m=10
